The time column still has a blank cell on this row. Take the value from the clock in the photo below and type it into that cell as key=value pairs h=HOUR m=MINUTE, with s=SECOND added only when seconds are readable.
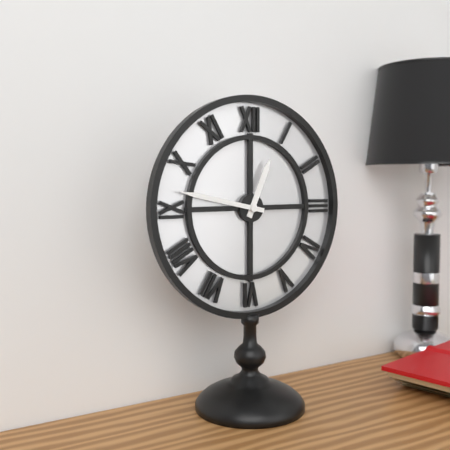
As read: h=12 m=47
